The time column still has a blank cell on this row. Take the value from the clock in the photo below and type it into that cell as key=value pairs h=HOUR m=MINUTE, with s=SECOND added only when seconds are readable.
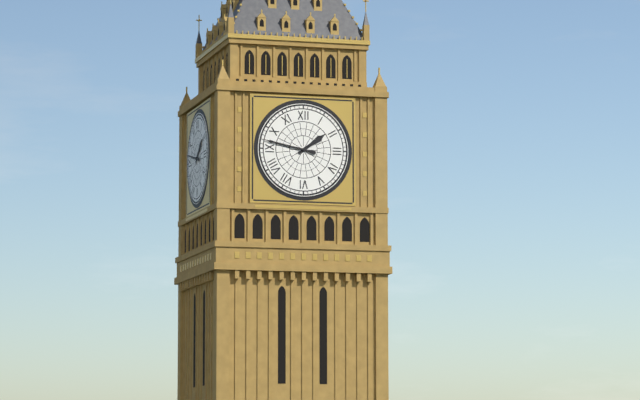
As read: h=1 m=47
